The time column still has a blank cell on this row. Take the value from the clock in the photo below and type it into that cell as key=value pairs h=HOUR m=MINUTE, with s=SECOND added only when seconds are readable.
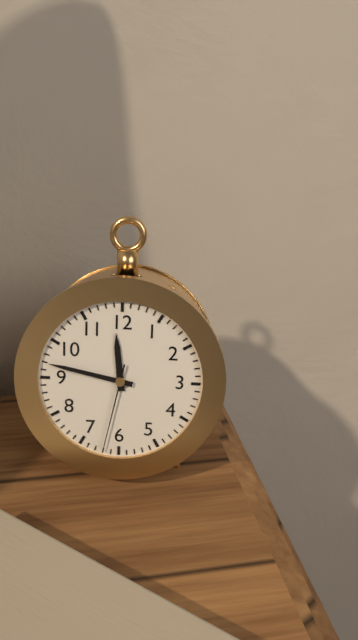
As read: h=11 m=47 s=32
